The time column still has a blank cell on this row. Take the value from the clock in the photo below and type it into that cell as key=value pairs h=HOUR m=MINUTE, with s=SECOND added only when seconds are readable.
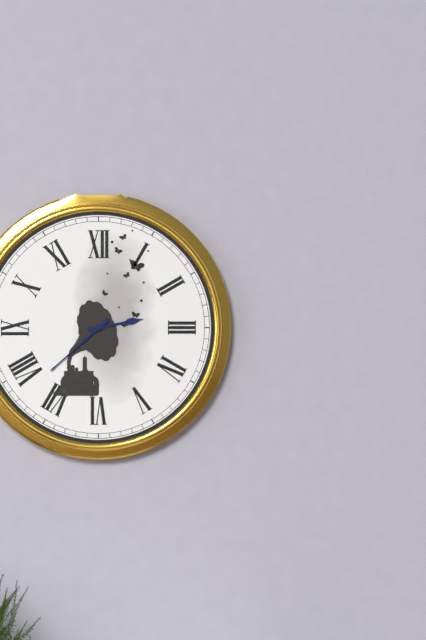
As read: h=2 m=38
